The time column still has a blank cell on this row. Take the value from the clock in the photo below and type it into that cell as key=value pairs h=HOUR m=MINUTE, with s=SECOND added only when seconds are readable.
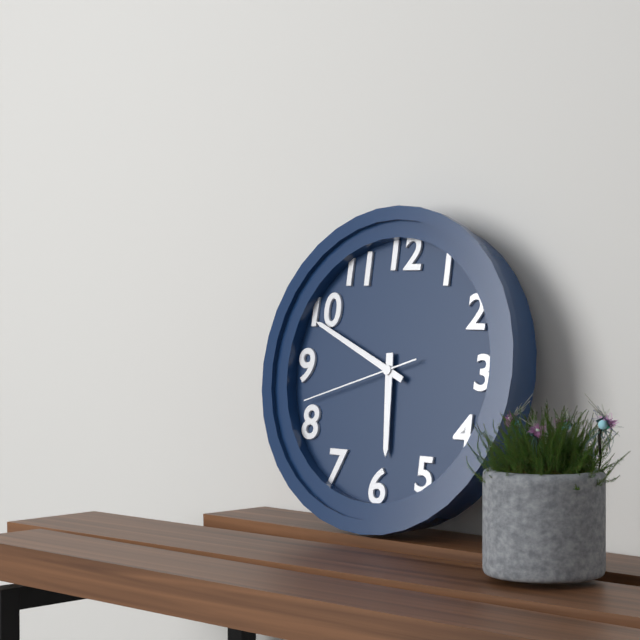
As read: h=5 m=49 s=42
